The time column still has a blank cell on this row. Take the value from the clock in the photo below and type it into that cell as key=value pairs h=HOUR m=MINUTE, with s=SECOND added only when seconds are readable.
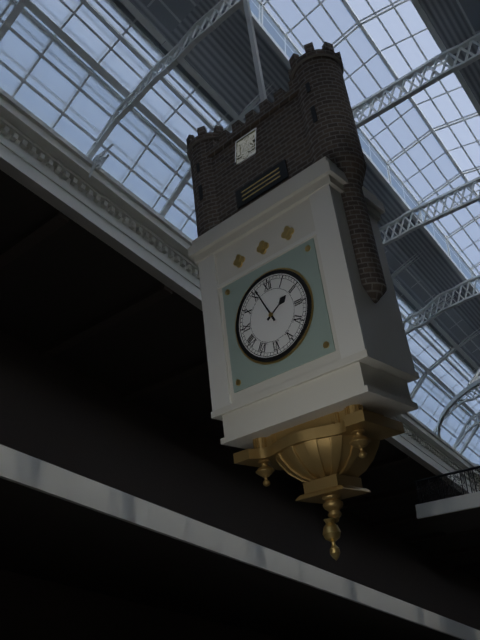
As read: h=1 m=56
